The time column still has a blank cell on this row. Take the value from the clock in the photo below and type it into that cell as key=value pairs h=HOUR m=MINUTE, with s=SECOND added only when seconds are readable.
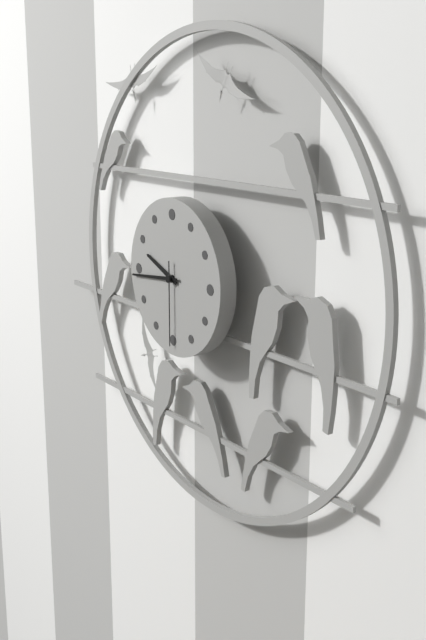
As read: h=9 m=44 s=30
